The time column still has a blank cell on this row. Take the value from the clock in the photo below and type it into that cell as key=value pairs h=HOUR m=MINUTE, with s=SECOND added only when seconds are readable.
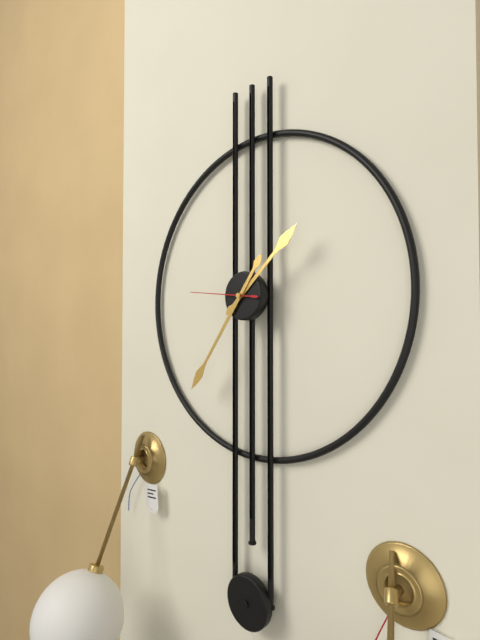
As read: h=1 m=36 s=46
